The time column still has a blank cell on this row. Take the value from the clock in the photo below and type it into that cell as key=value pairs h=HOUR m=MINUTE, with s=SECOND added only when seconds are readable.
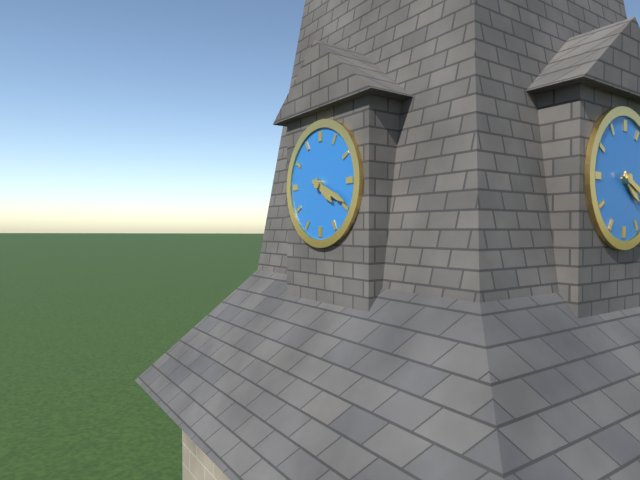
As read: h=4 m=19
